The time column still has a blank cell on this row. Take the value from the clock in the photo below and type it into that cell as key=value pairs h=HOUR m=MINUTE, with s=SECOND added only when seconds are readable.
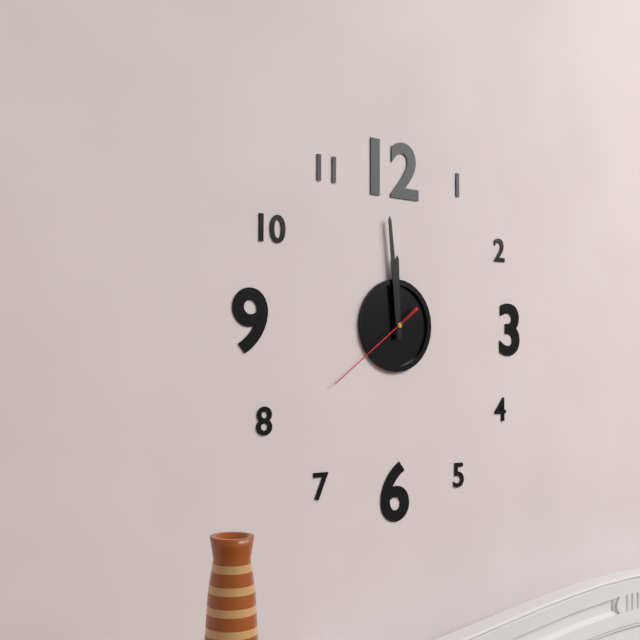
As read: h=11 m=59 s=39
